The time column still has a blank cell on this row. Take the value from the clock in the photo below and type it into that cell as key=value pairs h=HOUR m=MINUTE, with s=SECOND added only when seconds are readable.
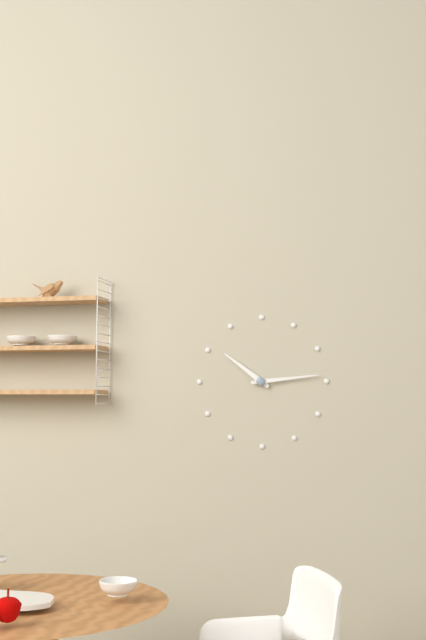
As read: h=10 m=14
